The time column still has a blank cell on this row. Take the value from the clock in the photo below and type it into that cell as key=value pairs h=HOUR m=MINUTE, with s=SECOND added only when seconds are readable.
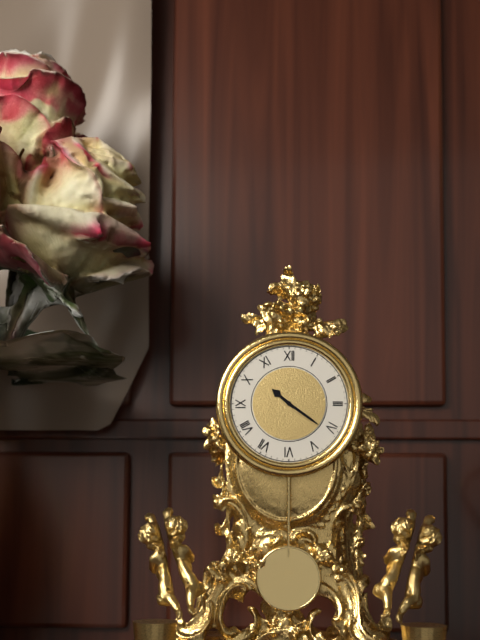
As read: h=10 m=21
